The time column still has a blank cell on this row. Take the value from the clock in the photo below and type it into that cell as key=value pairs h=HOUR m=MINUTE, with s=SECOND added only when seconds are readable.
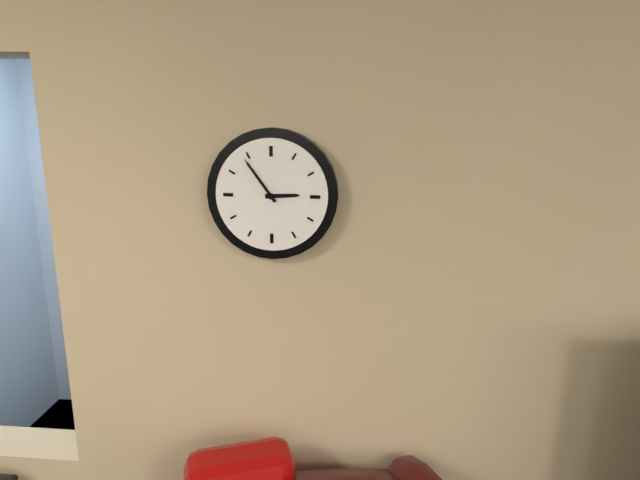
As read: h=2 m=54
